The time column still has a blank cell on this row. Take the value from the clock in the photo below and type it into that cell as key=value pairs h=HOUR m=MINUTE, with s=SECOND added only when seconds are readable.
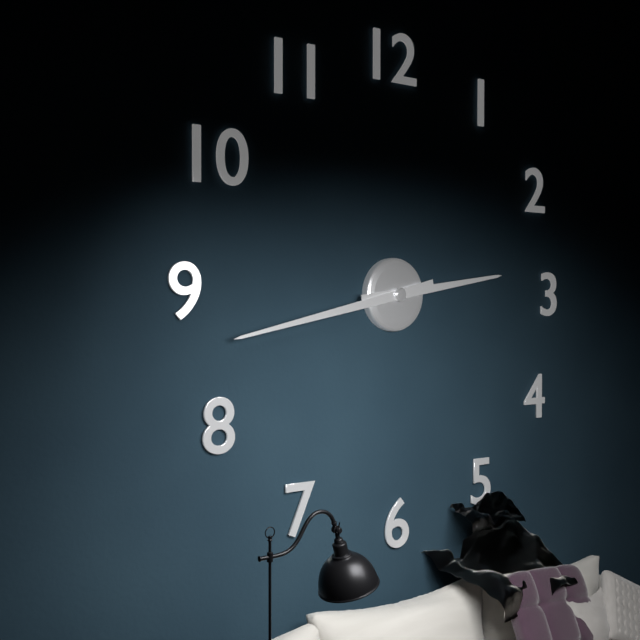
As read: h=2 m=43
